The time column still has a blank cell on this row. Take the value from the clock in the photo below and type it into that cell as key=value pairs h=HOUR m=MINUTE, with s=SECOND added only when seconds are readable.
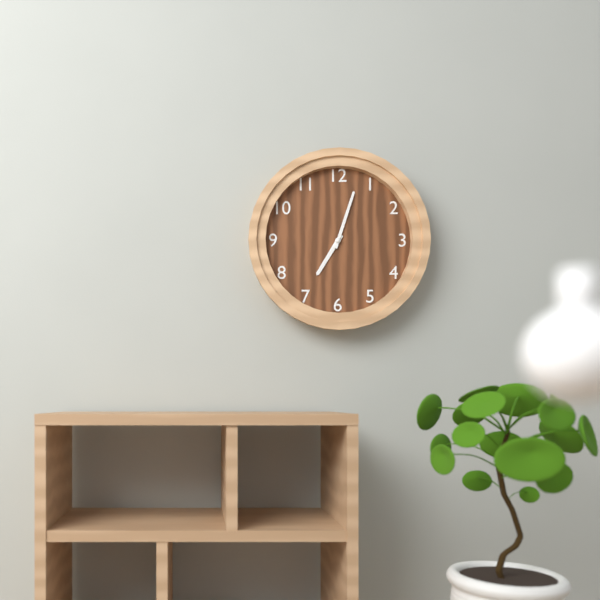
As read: h=7 m=3
